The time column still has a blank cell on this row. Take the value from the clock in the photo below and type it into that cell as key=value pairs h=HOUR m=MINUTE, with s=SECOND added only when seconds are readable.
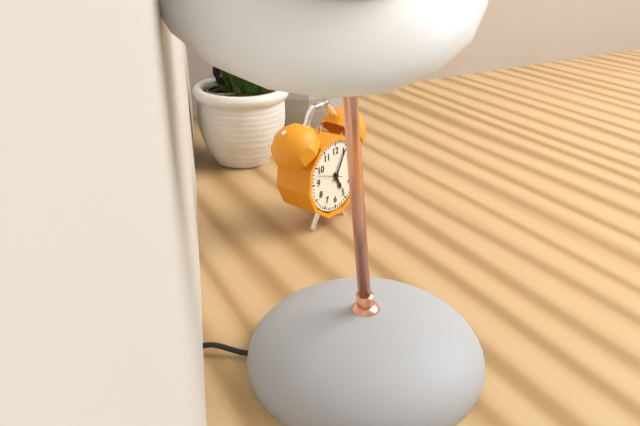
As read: h=5 m=5
